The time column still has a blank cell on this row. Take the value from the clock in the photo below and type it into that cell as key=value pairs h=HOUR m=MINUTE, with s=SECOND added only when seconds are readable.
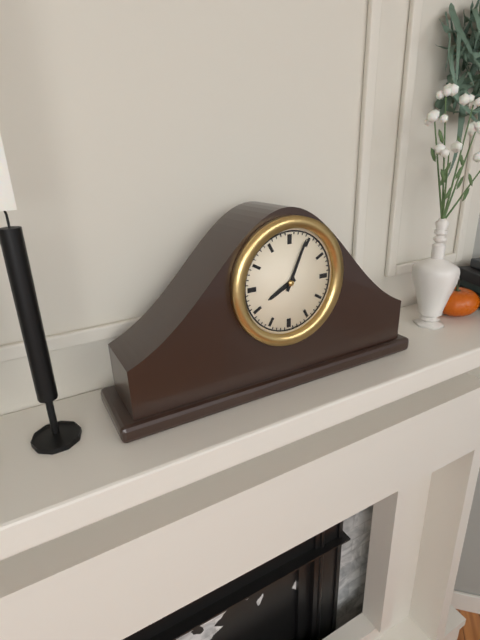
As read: h=8 m=4
